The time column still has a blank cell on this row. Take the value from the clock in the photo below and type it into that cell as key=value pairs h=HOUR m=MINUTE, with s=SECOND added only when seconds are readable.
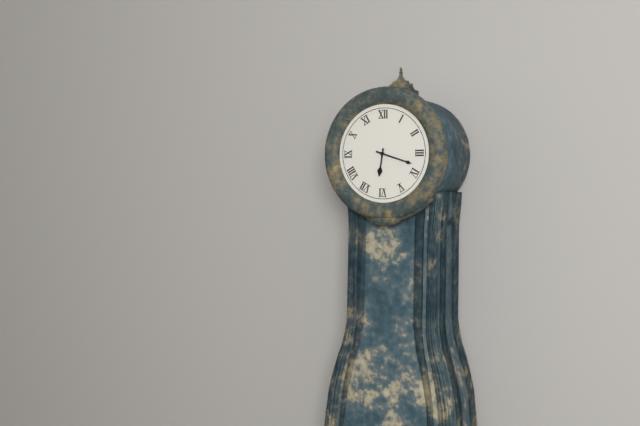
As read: h=6 m=18
